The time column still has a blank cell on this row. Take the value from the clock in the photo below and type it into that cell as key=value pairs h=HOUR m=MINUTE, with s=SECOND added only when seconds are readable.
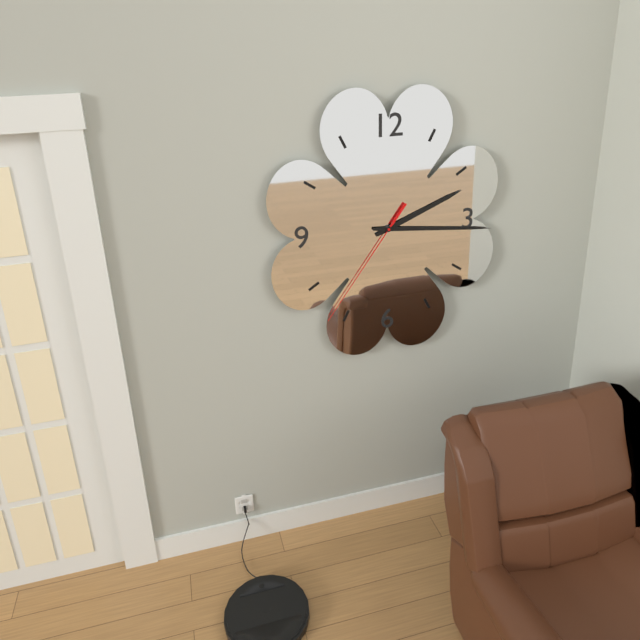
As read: h=2 m=16 s=36
